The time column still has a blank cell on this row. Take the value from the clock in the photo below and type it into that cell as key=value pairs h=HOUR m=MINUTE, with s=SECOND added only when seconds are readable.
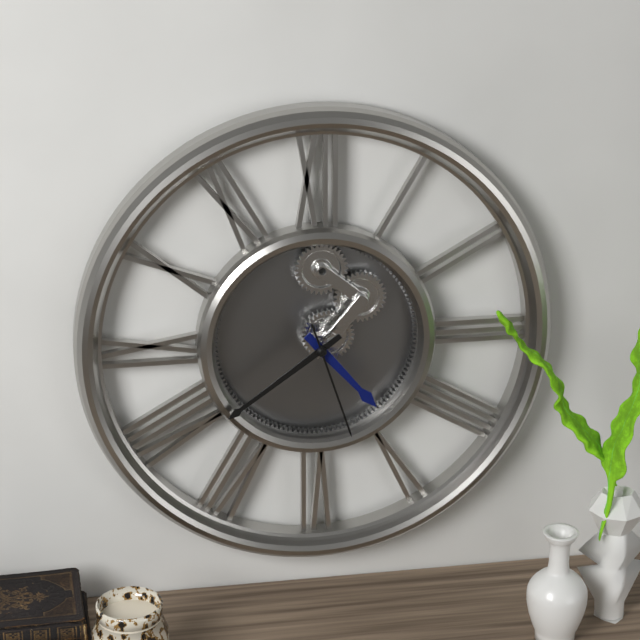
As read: h=4 m=39 s=27
